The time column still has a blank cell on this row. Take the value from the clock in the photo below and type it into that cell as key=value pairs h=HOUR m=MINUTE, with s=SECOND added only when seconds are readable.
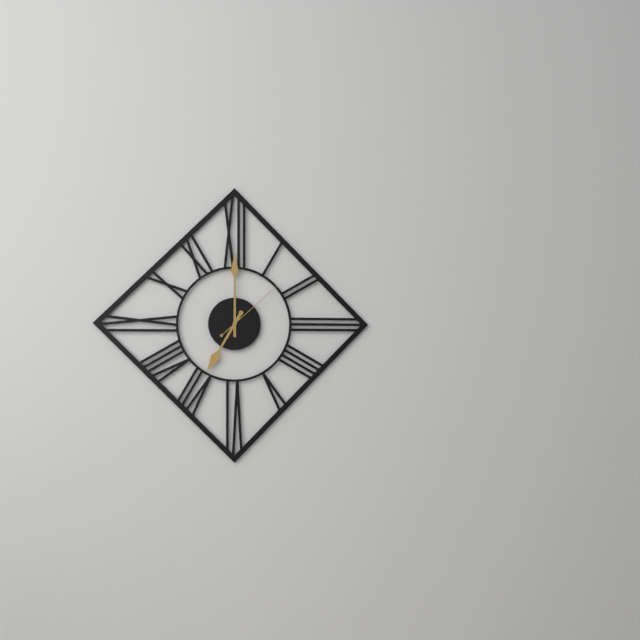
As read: h=7 m=0 s=8
